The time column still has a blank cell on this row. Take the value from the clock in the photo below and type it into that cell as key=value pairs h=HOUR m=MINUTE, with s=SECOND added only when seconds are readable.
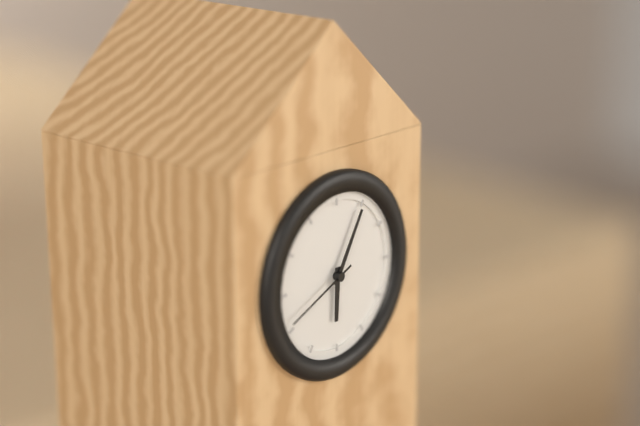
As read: h=6 m=5 s=41
